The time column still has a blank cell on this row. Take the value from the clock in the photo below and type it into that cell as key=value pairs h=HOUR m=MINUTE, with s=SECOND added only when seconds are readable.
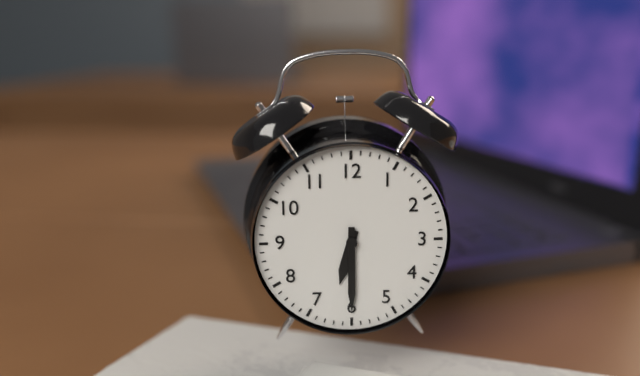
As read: h=6 m=30
